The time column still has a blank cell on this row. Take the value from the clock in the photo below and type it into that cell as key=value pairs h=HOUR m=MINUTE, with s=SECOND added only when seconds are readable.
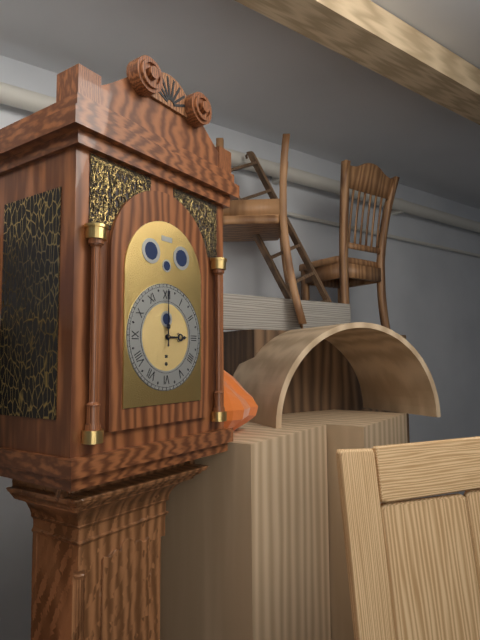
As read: h=3 m=0
